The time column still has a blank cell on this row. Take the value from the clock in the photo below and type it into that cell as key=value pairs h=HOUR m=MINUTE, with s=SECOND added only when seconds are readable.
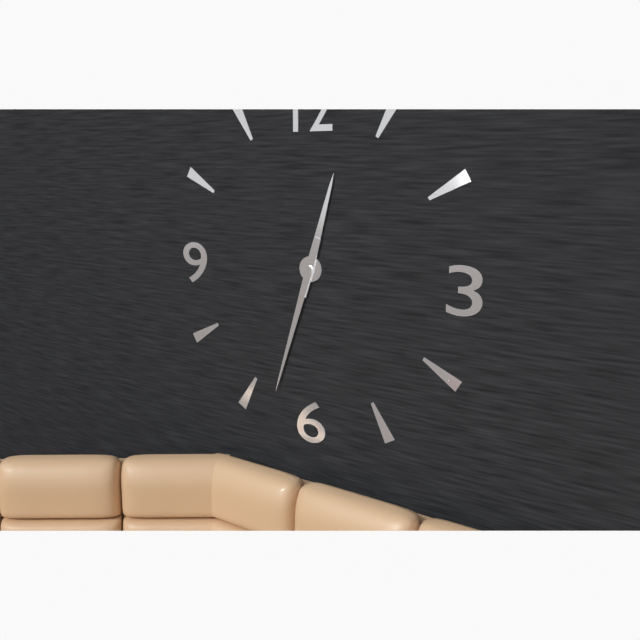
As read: h=12 m=33
